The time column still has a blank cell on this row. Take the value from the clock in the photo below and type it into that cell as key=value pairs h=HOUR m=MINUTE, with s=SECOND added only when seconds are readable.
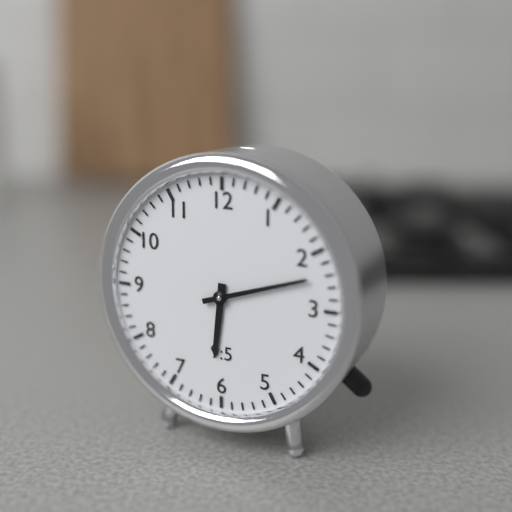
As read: h=6 m=12
